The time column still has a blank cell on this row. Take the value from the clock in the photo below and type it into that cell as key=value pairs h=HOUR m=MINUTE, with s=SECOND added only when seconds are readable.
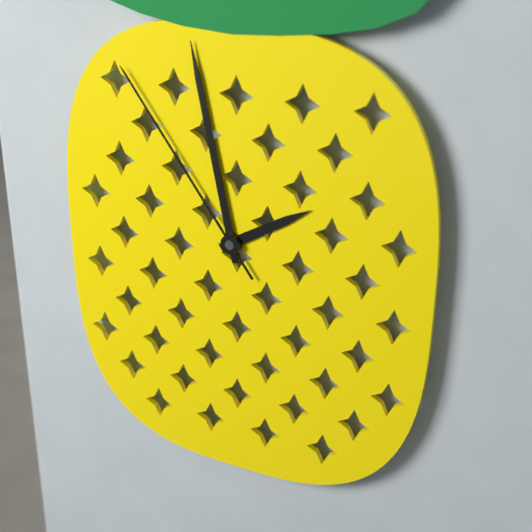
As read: h=1 m=58 s=54
